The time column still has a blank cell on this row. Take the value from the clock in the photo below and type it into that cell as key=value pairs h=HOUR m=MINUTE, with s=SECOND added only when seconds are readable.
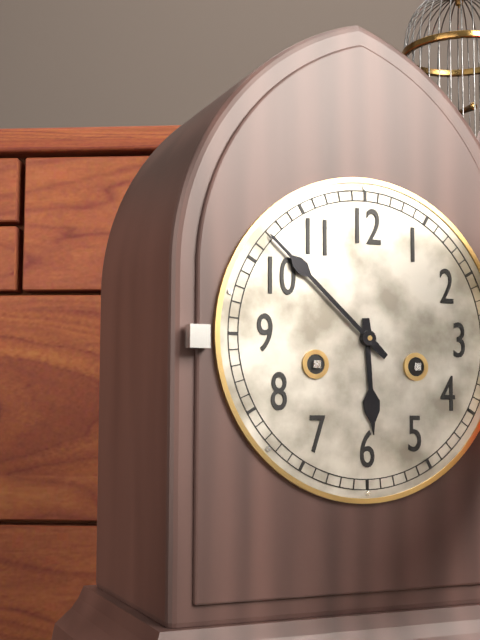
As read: h=5 m=52
